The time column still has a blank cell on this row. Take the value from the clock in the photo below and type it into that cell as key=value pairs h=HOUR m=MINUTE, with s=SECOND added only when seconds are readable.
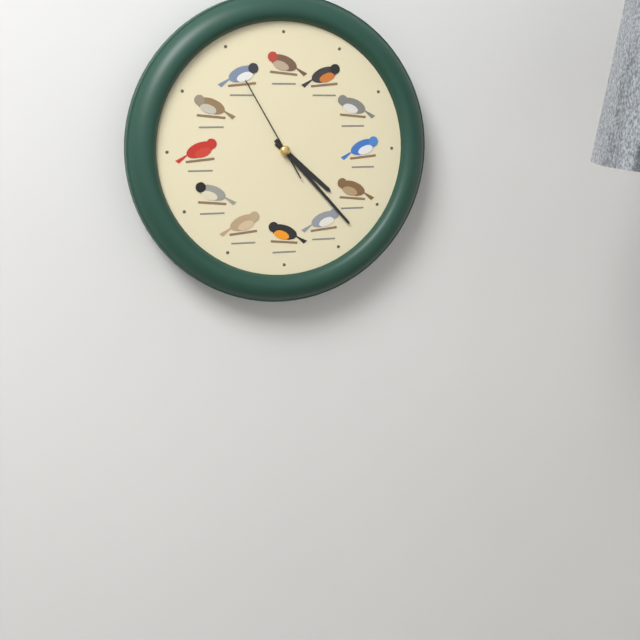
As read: h=4 m=23 s=55
